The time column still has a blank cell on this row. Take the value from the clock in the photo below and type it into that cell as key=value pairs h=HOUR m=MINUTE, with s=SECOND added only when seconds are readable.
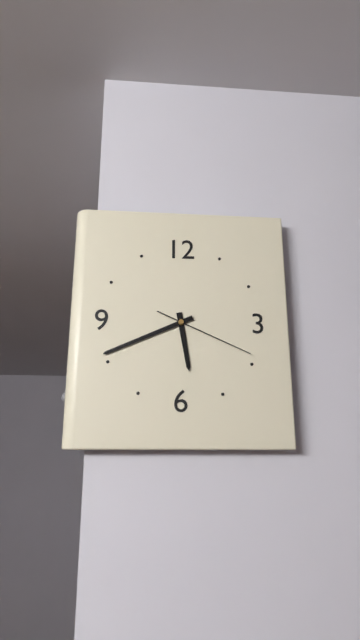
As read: h=5 m=41 s=19
